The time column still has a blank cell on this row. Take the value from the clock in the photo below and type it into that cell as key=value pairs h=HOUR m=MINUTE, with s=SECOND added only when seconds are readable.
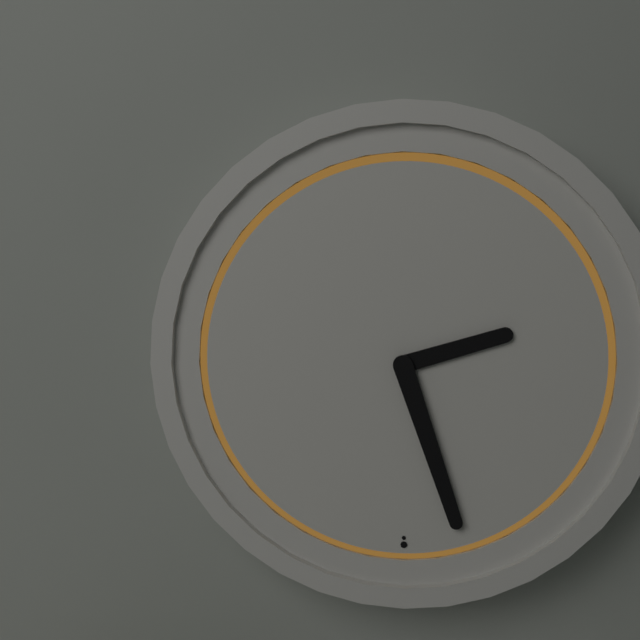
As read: h=2 m=27
